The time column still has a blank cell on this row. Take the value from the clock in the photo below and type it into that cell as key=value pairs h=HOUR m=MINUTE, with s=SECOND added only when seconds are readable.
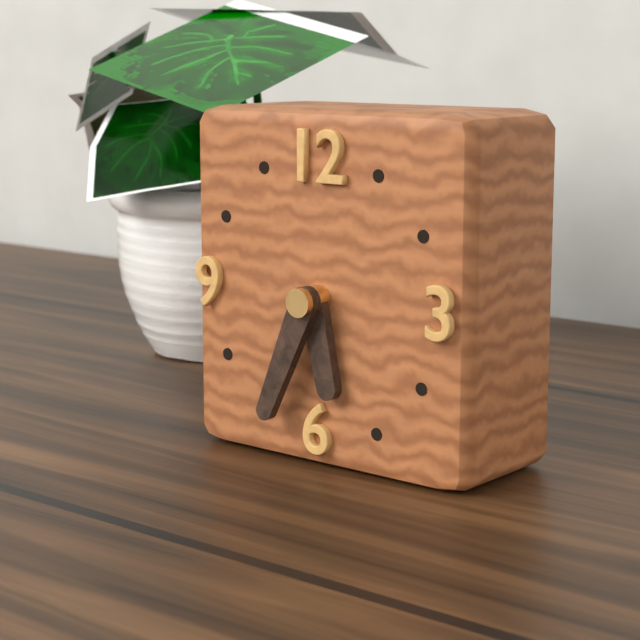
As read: h=5 m=34
